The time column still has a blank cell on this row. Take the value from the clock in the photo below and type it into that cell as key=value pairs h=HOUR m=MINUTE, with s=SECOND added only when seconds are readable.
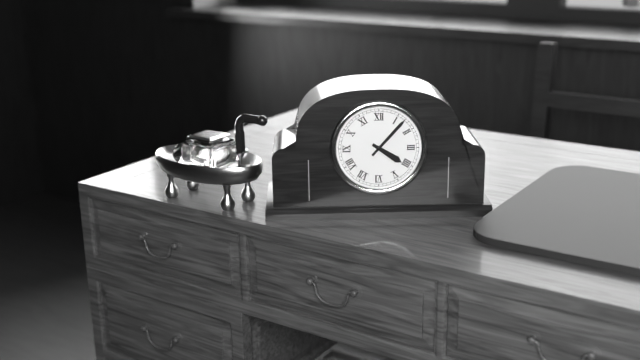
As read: h=4 m=7
